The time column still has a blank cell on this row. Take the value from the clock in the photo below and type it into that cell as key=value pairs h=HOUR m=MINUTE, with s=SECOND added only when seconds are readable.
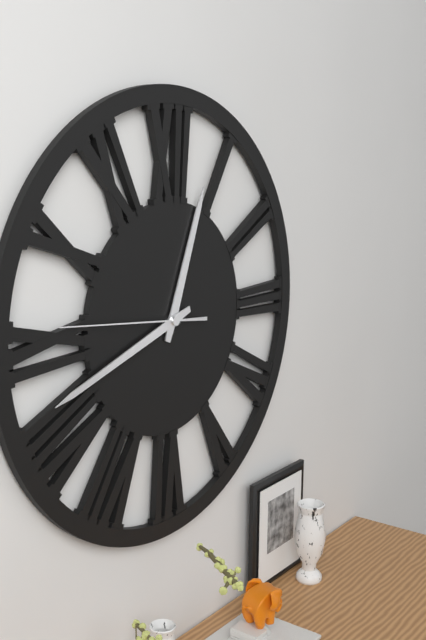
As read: h=12 m=42 s=46
